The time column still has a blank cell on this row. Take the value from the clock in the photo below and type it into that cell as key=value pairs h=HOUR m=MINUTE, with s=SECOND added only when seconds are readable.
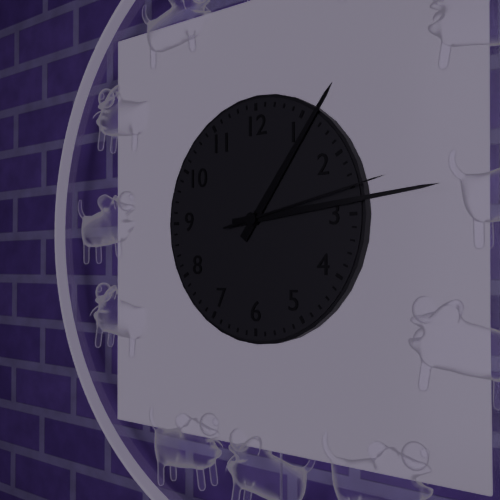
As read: h=1 m=14 s=13
